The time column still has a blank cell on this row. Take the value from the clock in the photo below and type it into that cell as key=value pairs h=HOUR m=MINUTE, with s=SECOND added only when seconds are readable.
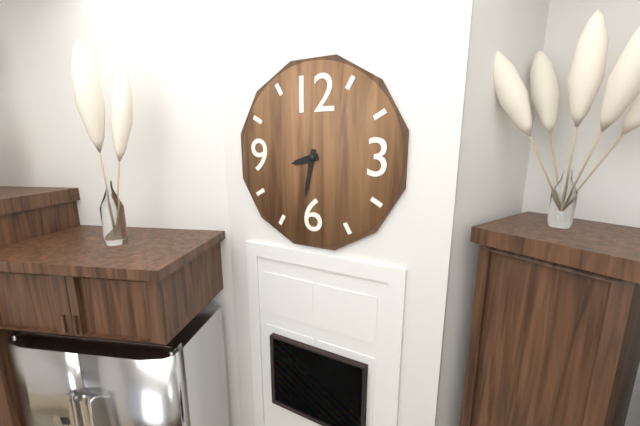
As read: h=8 m=32
